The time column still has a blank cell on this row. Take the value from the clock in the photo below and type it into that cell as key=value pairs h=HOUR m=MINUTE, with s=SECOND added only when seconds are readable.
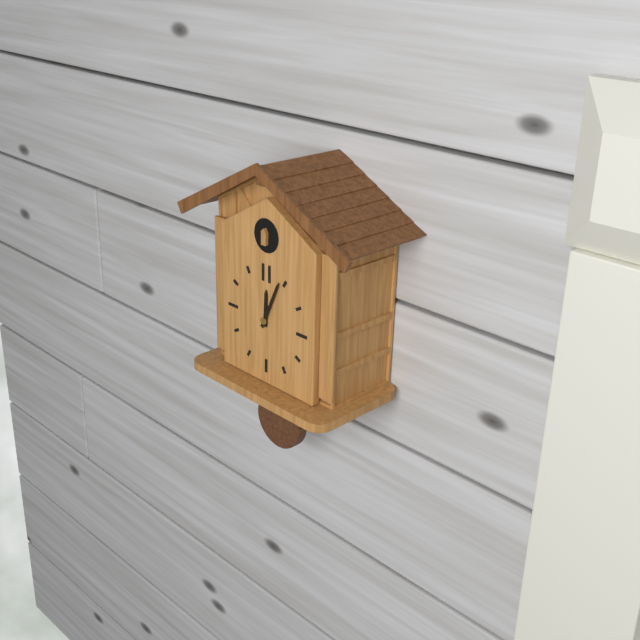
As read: h=12 m=4
